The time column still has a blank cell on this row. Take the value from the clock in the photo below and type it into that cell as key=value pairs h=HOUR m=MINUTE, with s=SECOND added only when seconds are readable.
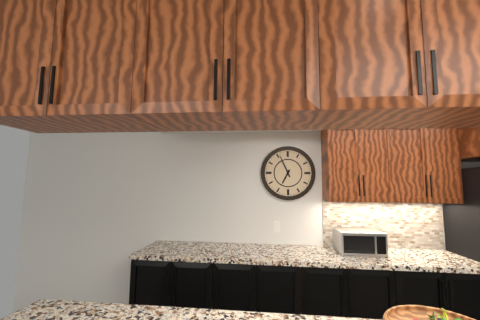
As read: h=6 m=56
